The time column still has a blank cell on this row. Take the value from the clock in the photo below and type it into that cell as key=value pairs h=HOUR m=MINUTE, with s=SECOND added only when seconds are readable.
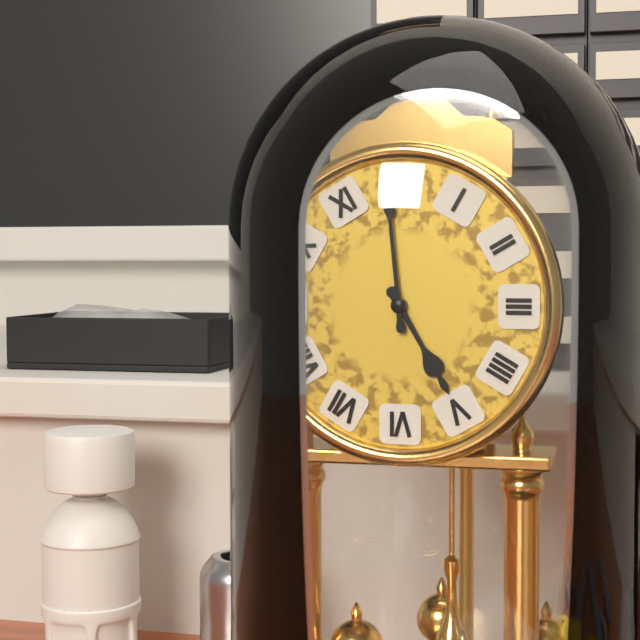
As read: h=4 m=59
